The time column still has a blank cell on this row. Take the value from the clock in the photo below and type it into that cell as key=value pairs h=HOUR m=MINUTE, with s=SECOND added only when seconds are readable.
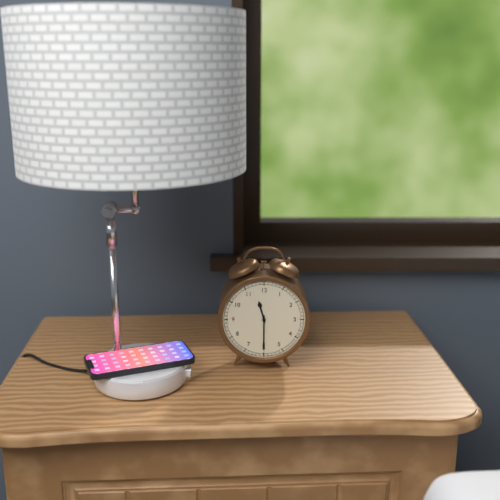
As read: h=11 m=30
